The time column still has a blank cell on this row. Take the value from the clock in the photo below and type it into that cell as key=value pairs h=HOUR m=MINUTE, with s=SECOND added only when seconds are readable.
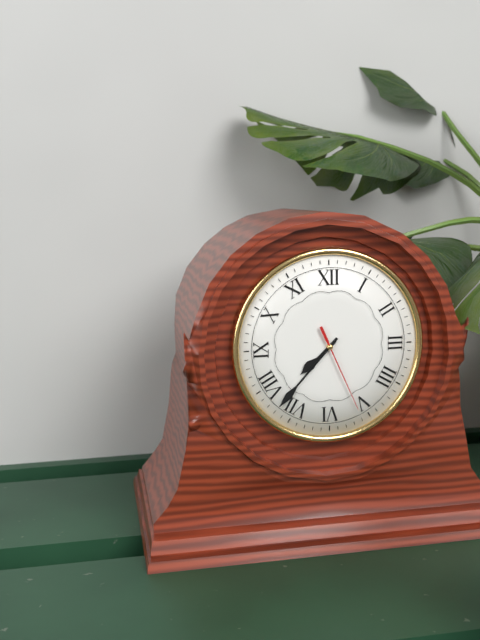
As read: h=7 m=37 s=26
